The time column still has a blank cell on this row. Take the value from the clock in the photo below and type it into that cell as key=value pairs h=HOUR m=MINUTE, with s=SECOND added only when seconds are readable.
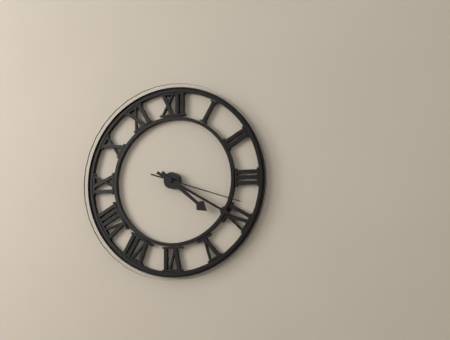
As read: h=4 m=20 s=18
